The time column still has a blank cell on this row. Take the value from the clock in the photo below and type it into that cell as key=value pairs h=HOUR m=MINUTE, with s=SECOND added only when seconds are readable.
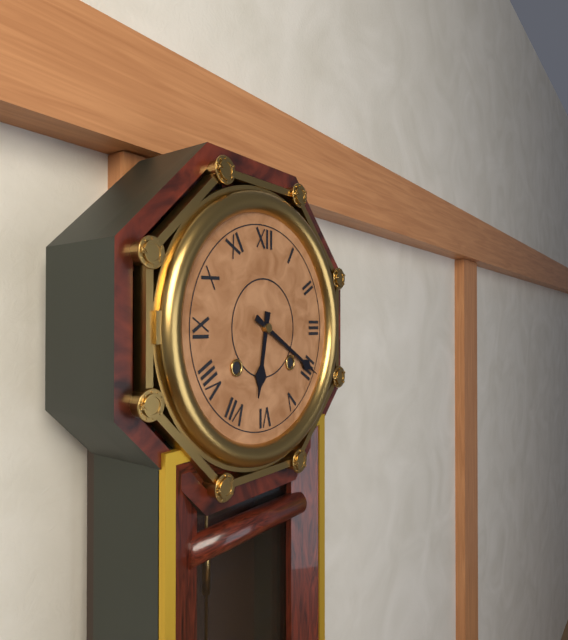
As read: h=6 m=20
